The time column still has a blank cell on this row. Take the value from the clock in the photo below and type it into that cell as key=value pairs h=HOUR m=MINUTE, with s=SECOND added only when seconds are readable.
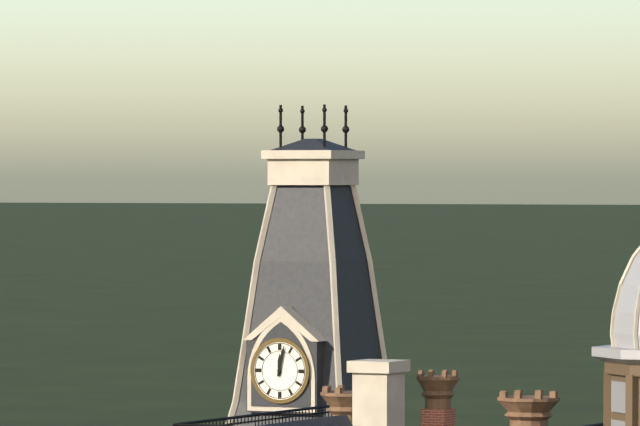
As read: h=12 m=2
